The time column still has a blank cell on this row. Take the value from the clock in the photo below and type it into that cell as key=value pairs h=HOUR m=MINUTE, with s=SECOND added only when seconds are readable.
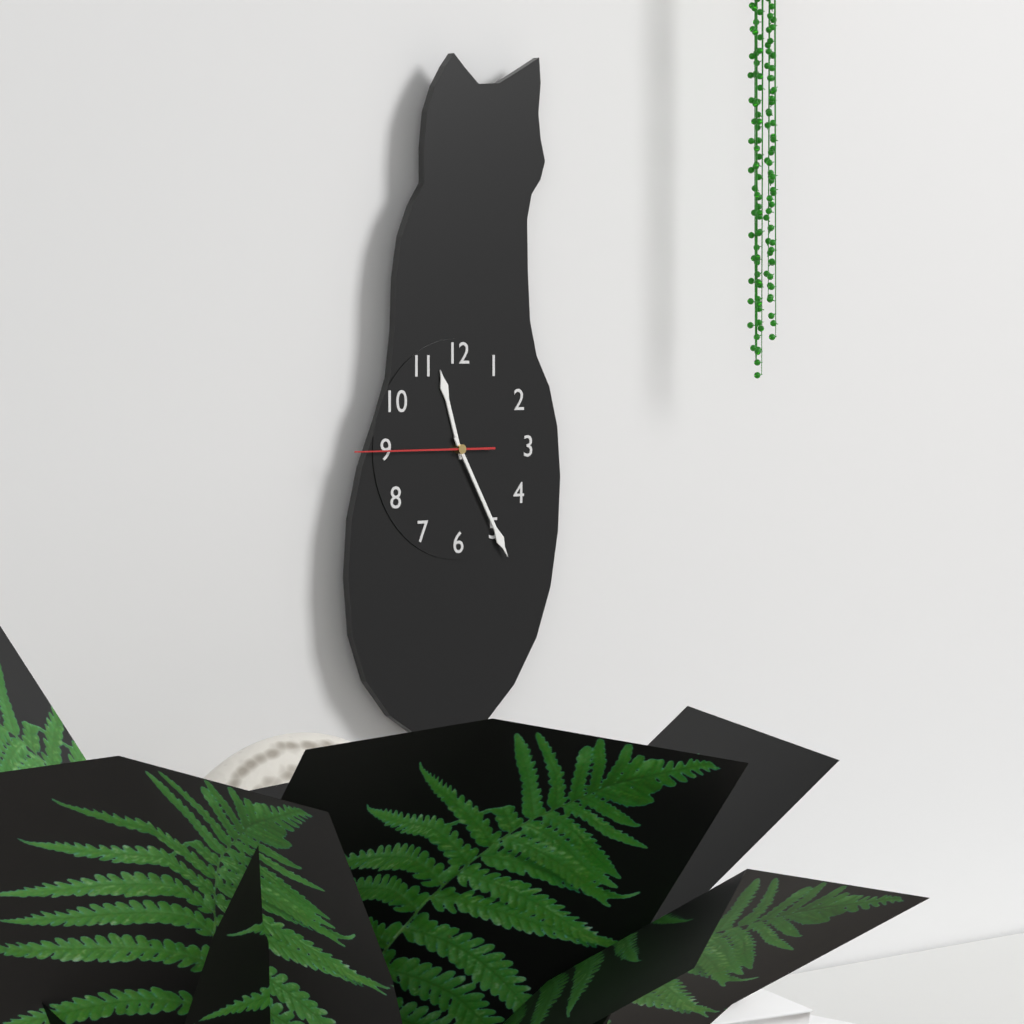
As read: h=11 m=25 s=45
